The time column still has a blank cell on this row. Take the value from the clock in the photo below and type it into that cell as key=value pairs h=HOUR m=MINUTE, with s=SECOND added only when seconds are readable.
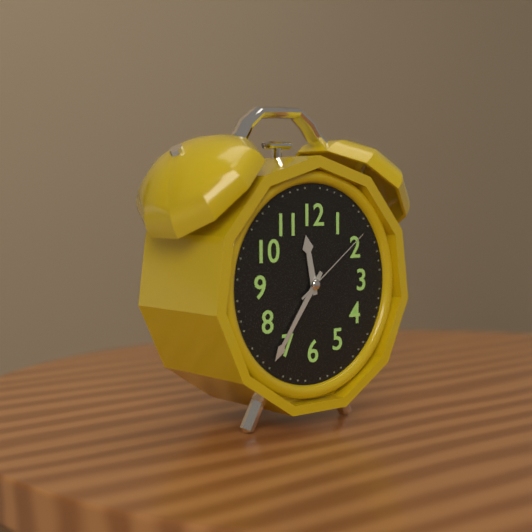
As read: h=11 m=36 s=9
